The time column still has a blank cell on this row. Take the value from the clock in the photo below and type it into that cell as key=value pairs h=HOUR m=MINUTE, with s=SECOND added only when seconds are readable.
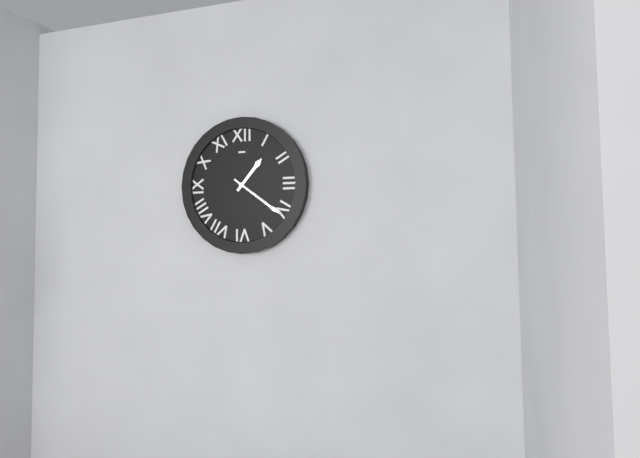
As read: h=1 m=21
